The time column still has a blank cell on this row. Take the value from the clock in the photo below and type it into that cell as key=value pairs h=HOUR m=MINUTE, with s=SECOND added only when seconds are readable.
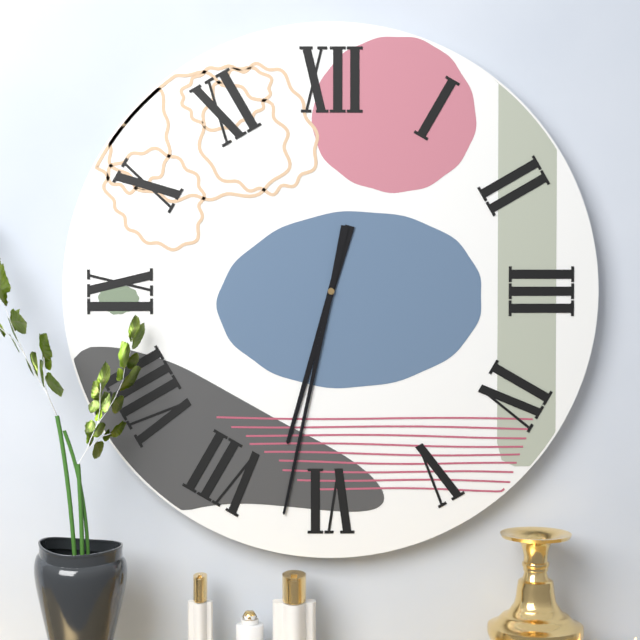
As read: h=6 m=32
